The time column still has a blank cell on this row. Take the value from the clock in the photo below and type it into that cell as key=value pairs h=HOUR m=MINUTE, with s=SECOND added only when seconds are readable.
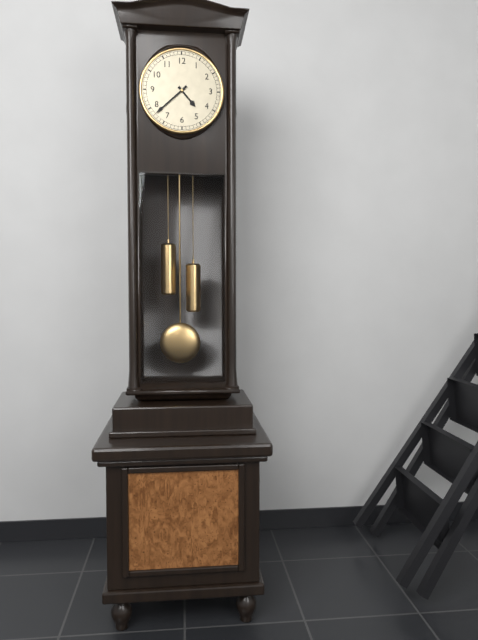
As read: h=4 m=38
